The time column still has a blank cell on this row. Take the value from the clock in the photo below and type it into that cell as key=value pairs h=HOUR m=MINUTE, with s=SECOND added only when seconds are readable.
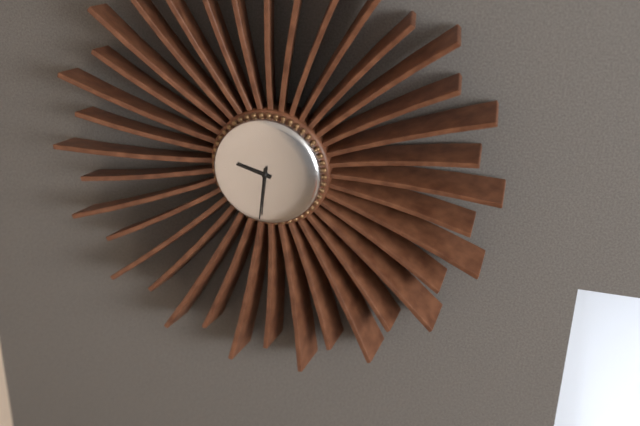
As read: h=9 m=31
